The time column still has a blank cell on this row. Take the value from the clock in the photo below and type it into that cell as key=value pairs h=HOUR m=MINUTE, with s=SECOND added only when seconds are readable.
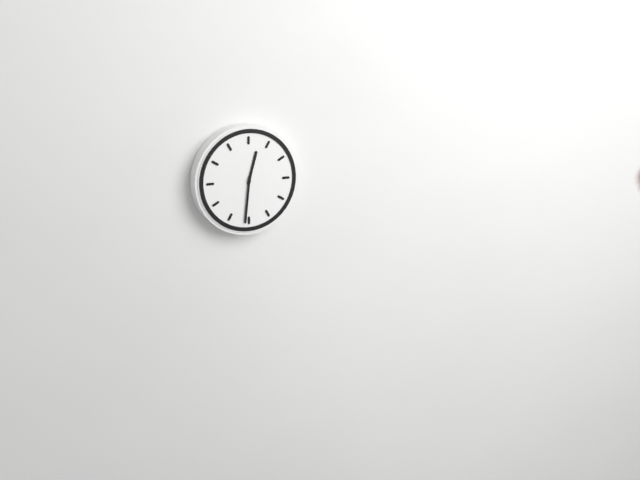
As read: h=12 m=31
